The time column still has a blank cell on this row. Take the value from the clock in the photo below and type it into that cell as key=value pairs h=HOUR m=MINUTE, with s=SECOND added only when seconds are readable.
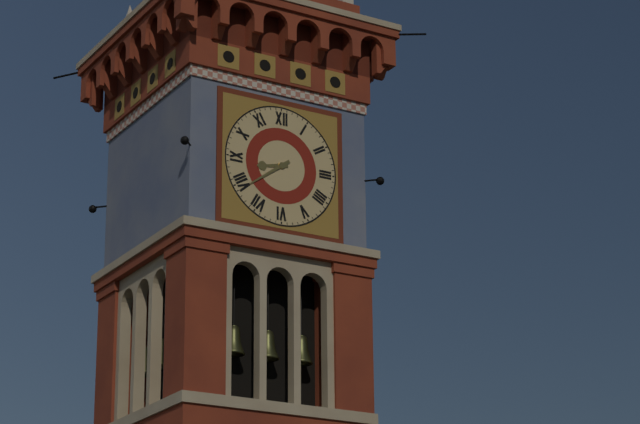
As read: h=8 m=39
